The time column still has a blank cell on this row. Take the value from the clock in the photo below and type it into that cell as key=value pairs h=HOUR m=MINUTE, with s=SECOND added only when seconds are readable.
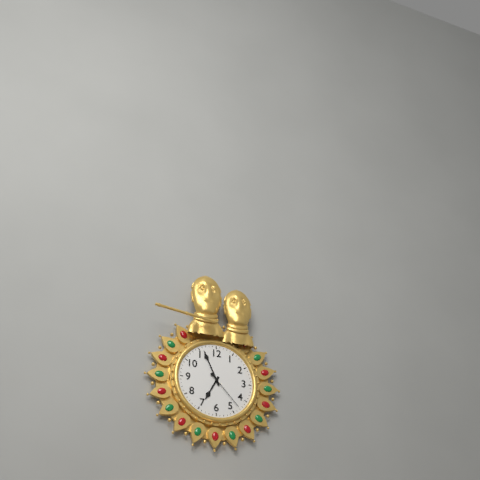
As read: h=6 m=56
